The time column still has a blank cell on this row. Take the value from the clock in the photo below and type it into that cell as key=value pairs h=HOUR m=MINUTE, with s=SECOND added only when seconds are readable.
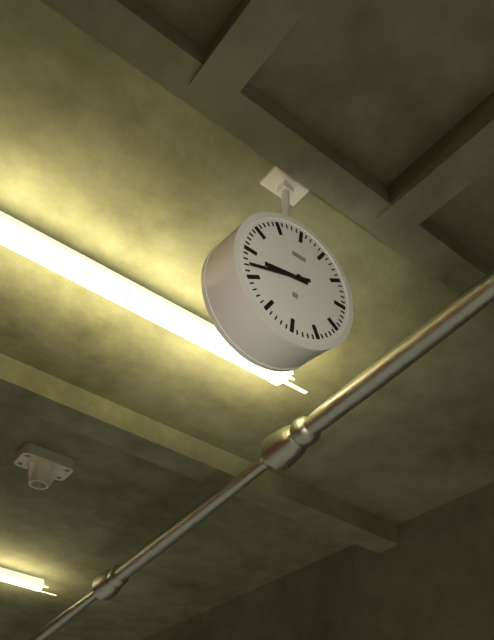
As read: h=8 m=42
